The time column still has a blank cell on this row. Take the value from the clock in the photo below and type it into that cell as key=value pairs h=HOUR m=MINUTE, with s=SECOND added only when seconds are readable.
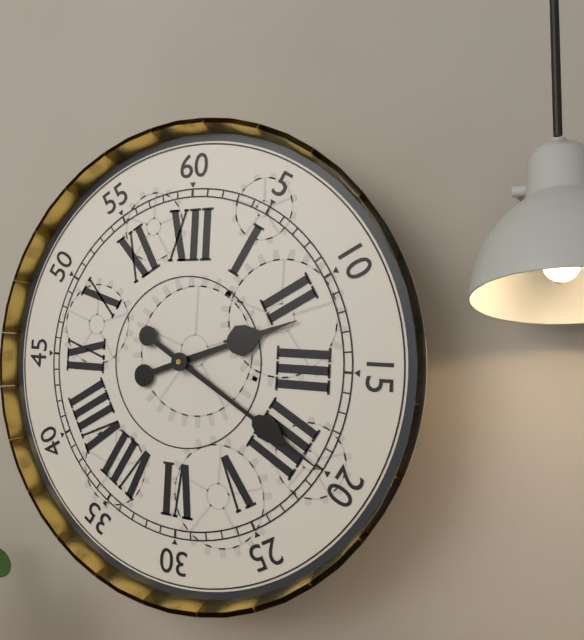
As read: h=2 m=20
